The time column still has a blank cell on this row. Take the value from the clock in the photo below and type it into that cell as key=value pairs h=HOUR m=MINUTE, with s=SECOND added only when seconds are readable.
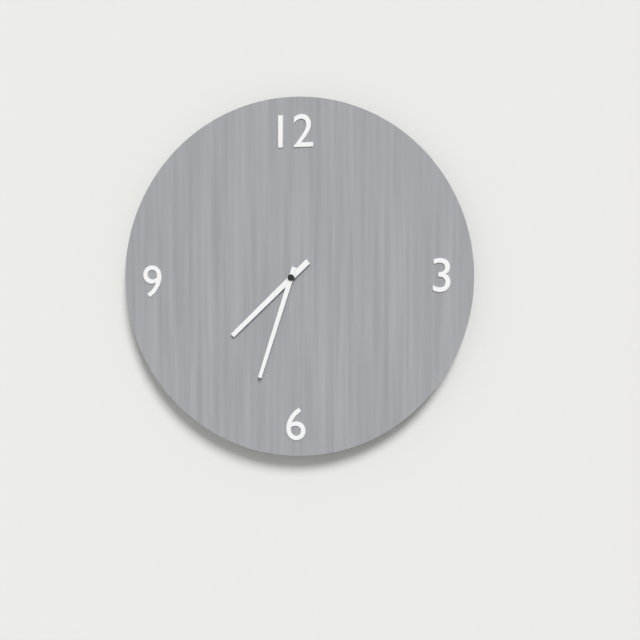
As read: h=7 m=33
